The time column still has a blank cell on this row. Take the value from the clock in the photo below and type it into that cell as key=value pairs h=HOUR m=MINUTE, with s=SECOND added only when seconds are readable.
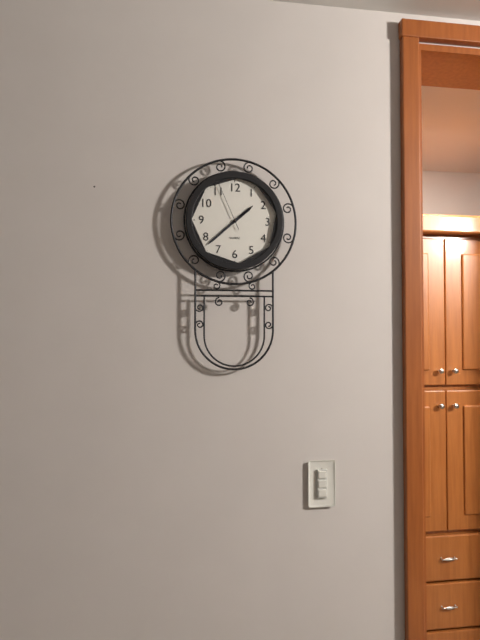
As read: h=1 m=38 s=56
